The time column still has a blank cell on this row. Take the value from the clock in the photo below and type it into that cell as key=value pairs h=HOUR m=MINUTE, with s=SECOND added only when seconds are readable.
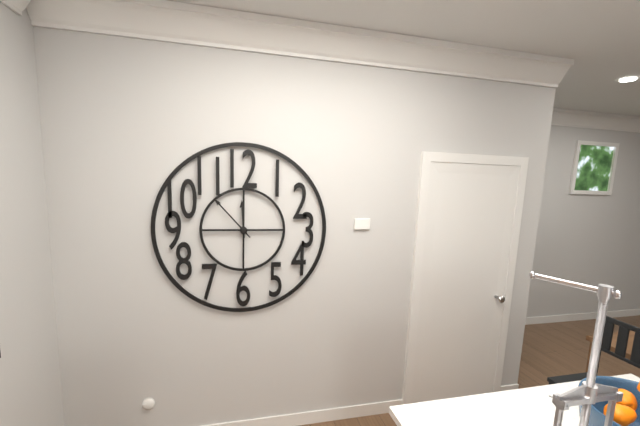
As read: h=11 m=53
